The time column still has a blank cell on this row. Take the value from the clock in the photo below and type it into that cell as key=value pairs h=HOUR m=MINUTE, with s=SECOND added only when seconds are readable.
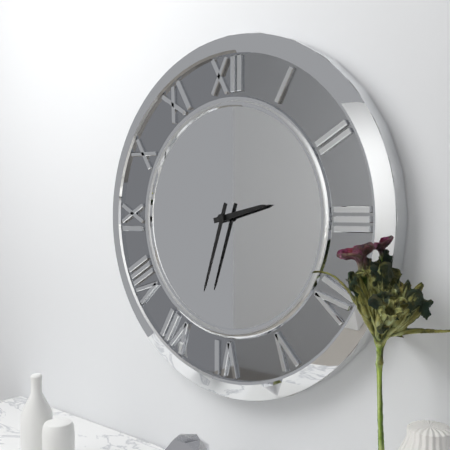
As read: h=2 m=33
